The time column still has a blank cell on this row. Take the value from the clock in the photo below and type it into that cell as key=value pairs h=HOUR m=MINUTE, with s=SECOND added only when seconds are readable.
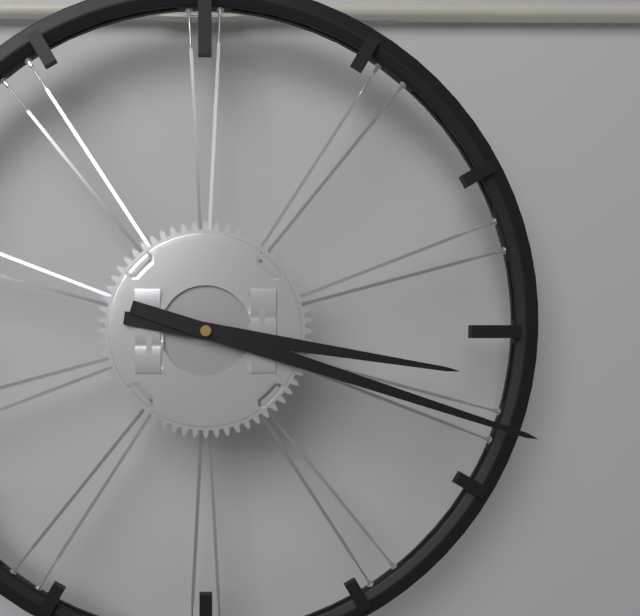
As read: h=3 m=18
